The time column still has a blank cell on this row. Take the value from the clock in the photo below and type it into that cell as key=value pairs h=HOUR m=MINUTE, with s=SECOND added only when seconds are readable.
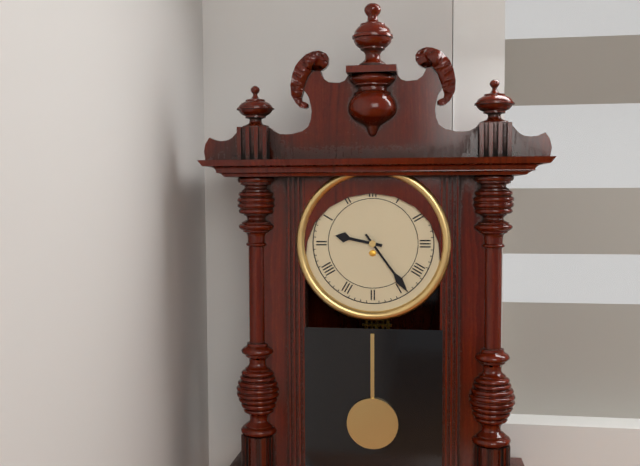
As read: h=9 m=24
